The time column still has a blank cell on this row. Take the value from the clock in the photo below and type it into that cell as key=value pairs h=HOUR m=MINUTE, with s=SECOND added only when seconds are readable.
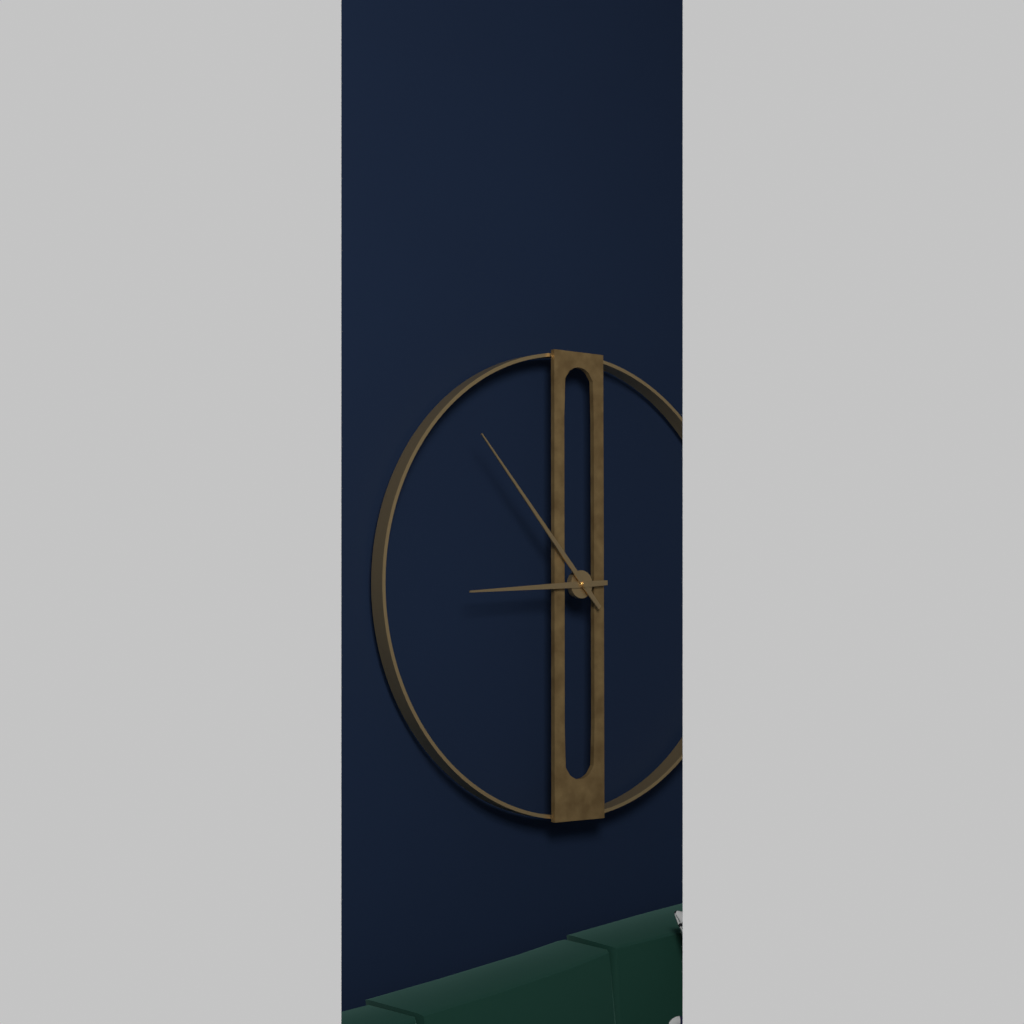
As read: h=8 m=53
